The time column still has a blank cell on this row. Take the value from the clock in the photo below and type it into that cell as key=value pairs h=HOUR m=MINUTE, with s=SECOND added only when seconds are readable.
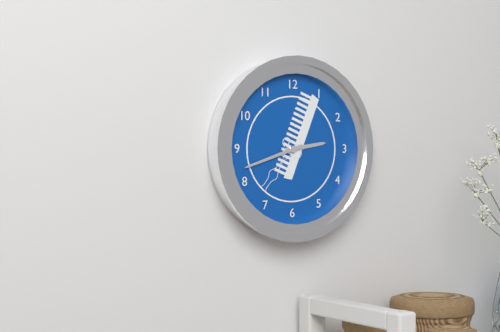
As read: h=2 m=42
